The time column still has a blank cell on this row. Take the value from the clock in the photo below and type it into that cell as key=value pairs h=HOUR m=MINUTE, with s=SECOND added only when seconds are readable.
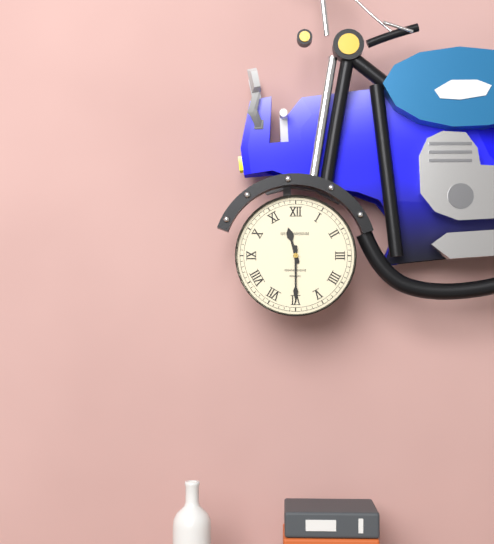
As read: h=11 m=30
